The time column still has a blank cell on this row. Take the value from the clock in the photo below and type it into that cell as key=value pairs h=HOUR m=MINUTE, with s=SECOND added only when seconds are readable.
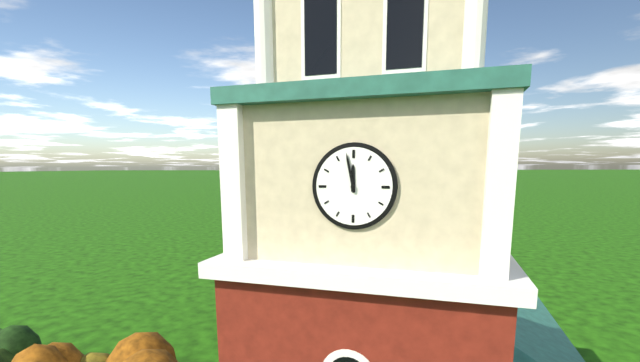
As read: h=11 m=58
